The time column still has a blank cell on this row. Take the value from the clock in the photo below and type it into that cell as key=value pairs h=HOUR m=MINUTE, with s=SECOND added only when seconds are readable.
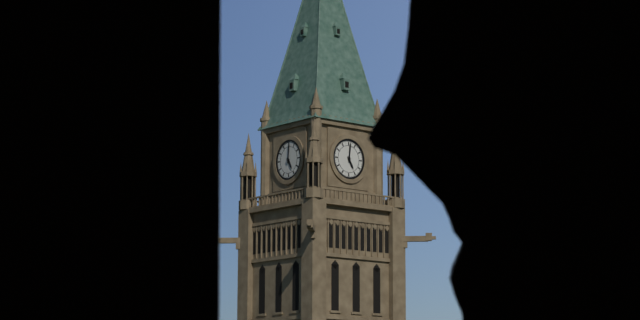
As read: h=5 m=1
